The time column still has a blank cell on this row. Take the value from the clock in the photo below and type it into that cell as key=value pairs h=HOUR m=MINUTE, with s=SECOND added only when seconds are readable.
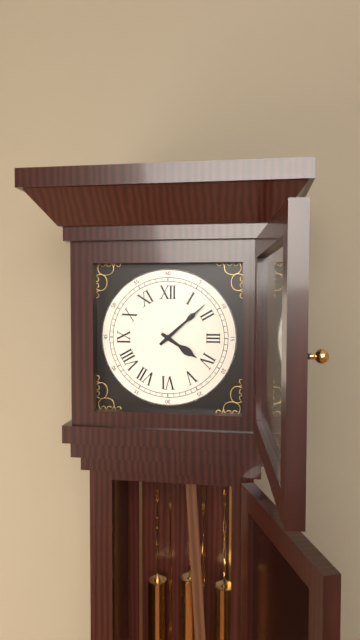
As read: h=4 m=8
